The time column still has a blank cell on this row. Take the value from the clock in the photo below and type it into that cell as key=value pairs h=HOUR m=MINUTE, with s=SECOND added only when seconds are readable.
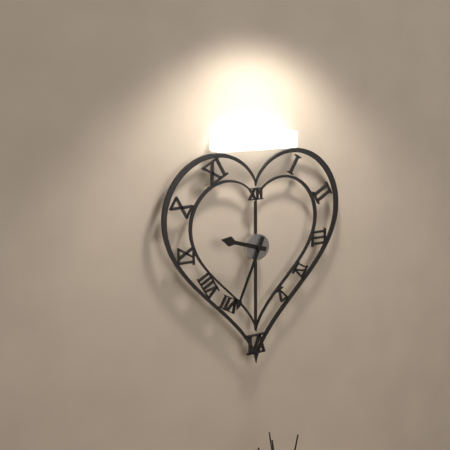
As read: h=9 m=34
